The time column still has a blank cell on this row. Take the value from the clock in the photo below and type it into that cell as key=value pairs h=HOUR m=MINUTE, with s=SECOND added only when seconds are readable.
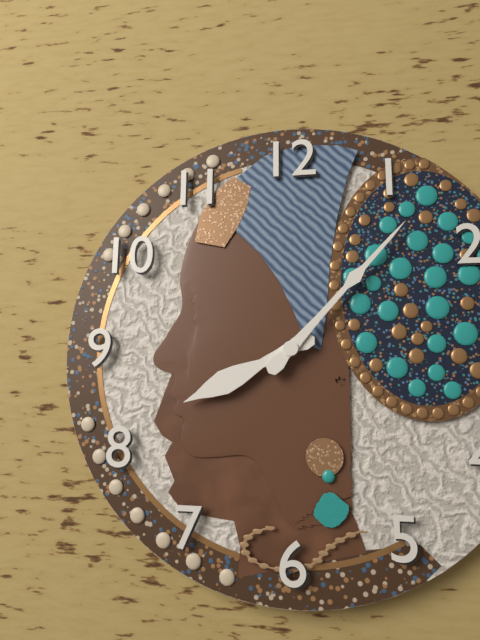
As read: h=8 m=7
